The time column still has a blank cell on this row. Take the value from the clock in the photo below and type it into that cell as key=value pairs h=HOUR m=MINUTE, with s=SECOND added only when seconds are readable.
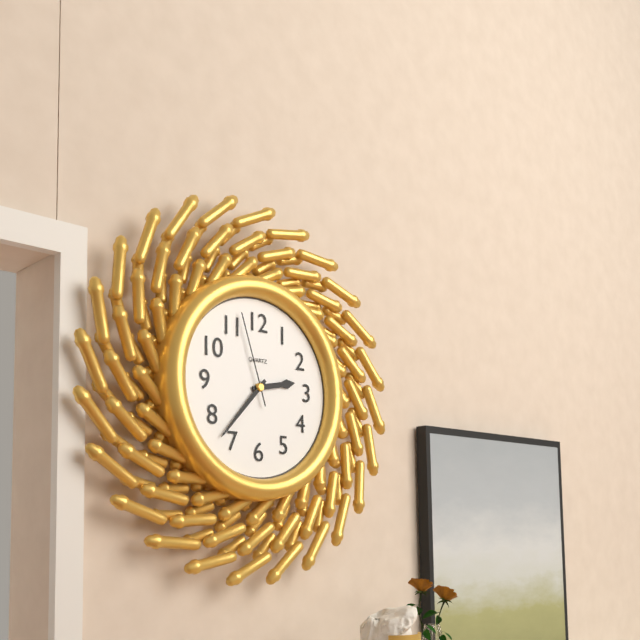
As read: h=2 m=37 s=57
